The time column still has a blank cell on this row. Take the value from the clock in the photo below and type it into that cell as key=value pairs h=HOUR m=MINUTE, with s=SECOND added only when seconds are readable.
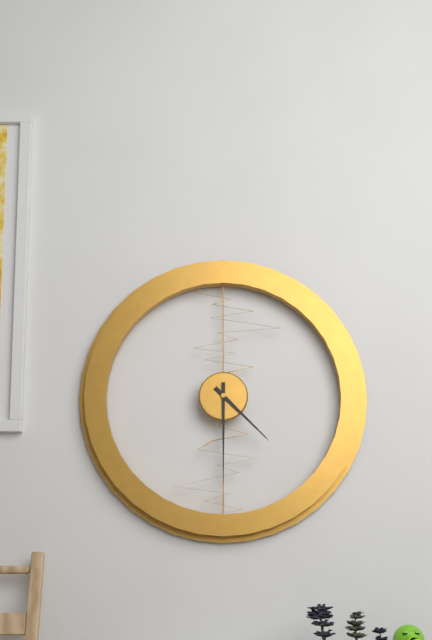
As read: h=4 m=30
